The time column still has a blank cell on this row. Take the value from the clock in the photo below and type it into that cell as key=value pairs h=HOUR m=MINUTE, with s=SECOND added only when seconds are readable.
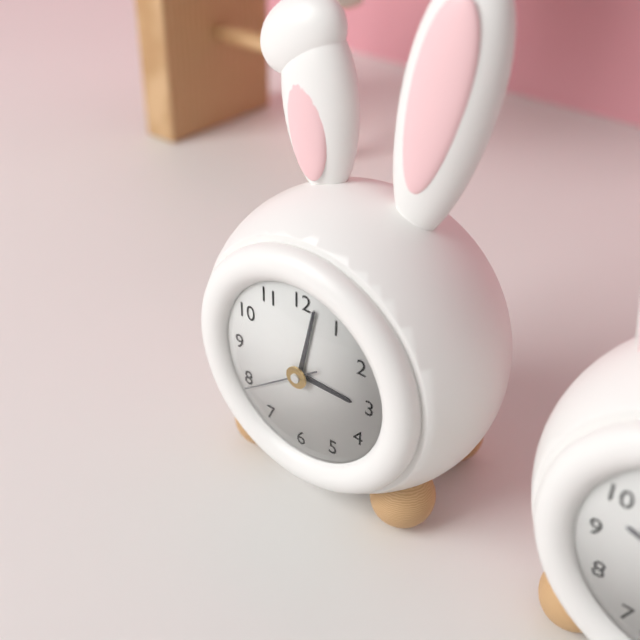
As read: h=3 m=2 s=39
